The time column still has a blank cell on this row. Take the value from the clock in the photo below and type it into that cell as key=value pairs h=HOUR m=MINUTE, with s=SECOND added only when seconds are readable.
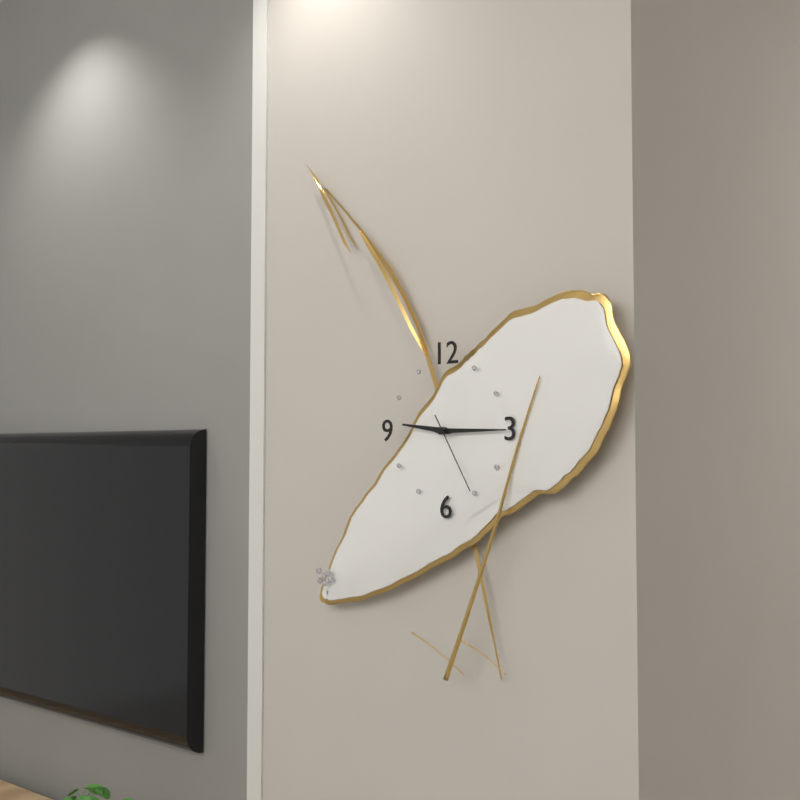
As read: h=9 m=15 s=25
